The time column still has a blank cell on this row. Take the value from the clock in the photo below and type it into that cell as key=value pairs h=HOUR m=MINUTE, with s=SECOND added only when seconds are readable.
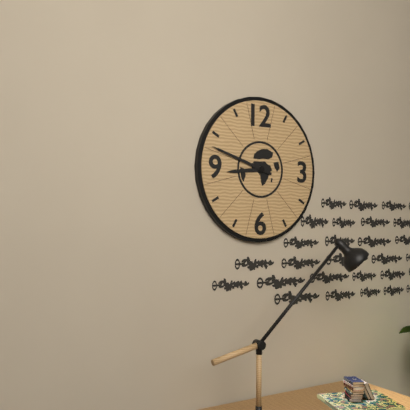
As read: h=8 m=48
